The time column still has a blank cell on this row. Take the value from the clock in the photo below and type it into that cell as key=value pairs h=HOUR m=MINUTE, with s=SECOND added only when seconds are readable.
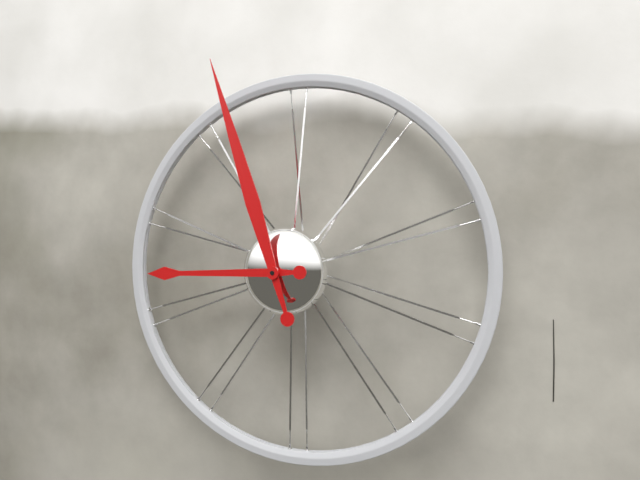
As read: h=8 m=57
